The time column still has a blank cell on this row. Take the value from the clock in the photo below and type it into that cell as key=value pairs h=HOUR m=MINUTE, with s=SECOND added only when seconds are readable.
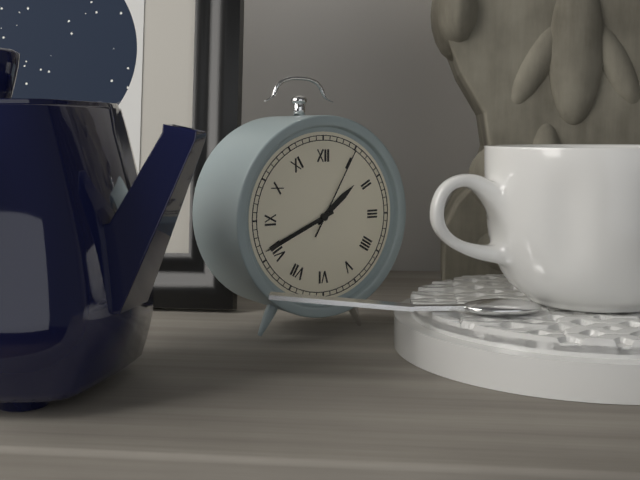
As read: h=1 m=41 s=5
